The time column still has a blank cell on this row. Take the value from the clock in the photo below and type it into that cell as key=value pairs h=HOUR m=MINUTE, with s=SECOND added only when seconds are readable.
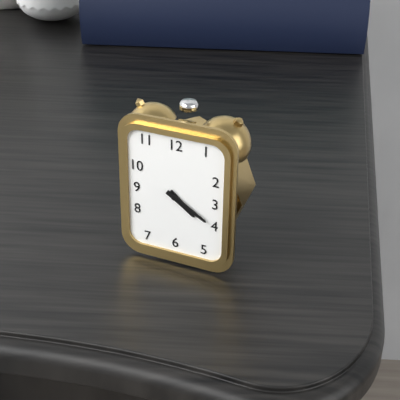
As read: h=4 m=20
